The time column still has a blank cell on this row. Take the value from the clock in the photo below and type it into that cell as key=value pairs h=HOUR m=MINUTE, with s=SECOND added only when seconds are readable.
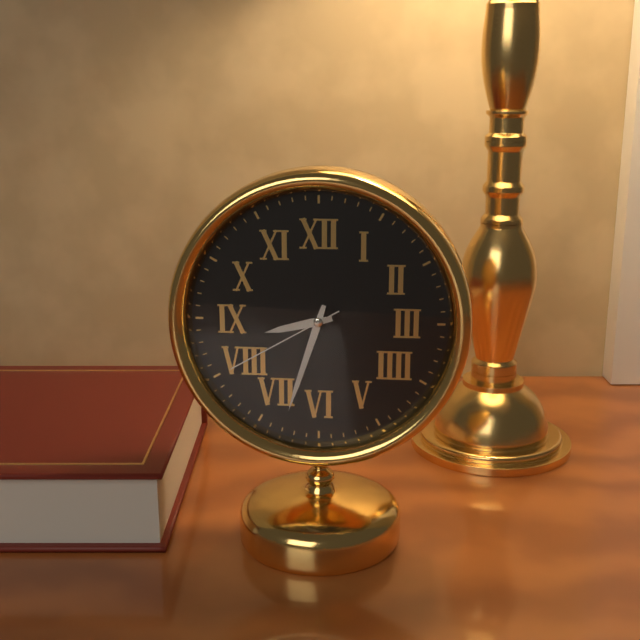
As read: h=8 m=33 s=40
